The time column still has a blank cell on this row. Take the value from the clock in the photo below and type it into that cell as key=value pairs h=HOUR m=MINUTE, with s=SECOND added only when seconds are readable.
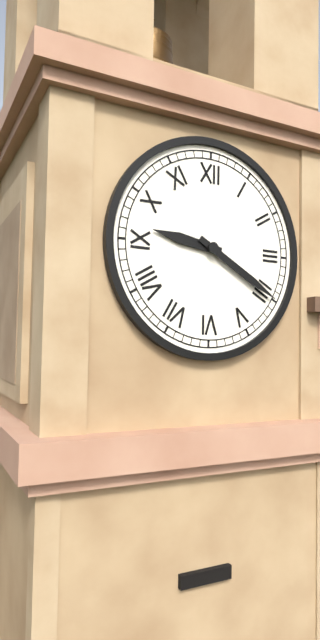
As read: h=9 m=20
